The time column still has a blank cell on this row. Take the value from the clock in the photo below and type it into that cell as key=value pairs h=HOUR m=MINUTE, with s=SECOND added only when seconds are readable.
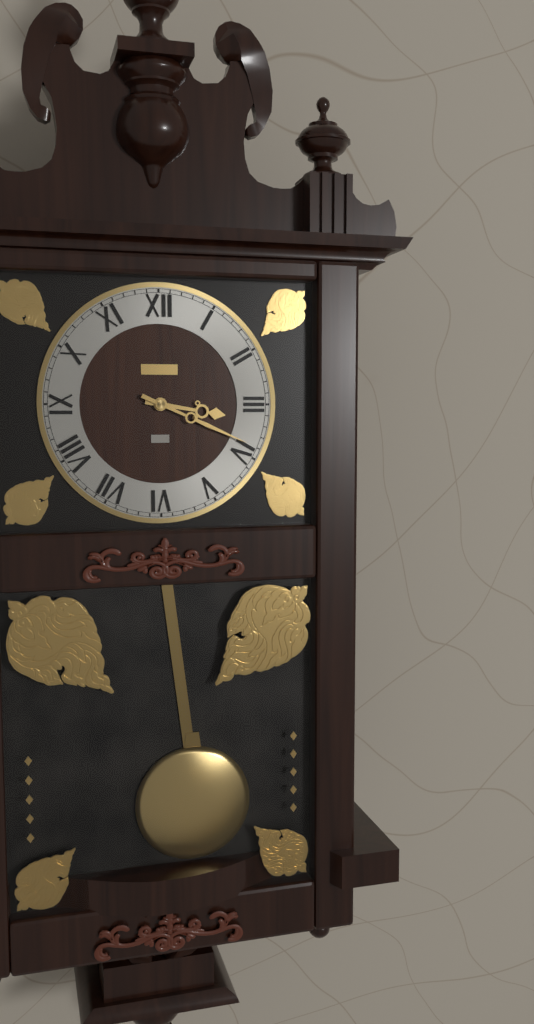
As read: h=3 m=19
